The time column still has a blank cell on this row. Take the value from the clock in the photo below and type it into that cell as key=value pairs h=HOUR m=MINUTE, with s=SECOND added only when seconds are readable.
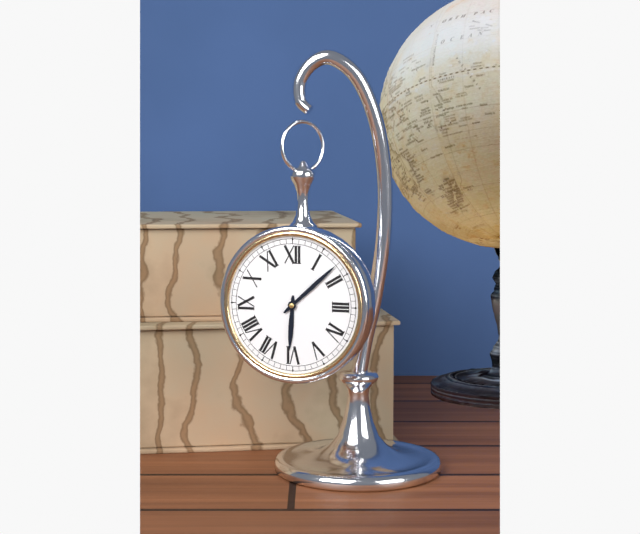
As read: h=6 m=8
